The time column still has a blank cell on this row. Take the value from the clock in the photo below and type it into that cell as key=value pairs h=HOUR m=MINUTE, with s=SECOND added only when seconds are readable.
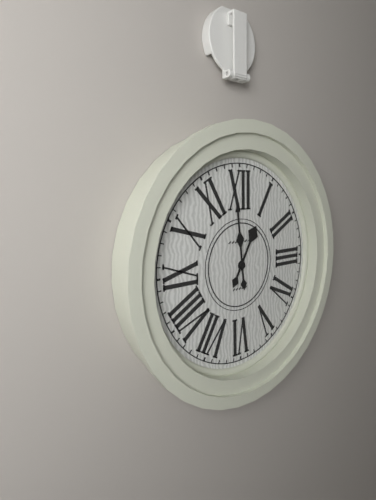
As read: h=12 m=59
